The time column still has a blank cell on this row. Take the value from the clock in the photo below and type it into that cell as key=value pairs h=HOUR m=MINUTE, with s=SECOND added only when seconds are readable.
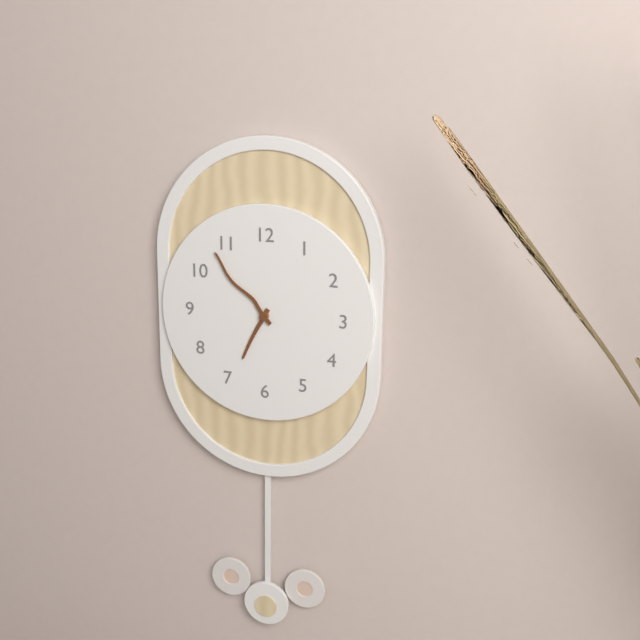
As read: h=6 m=53
